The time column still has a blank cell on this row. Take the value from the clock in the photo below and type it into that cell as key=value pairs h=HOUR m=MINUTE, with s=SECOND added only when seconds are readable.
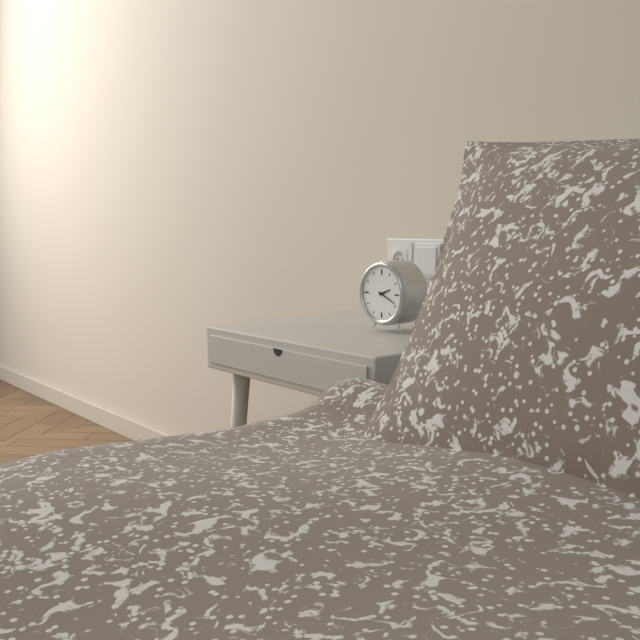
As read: h=2 m=19
